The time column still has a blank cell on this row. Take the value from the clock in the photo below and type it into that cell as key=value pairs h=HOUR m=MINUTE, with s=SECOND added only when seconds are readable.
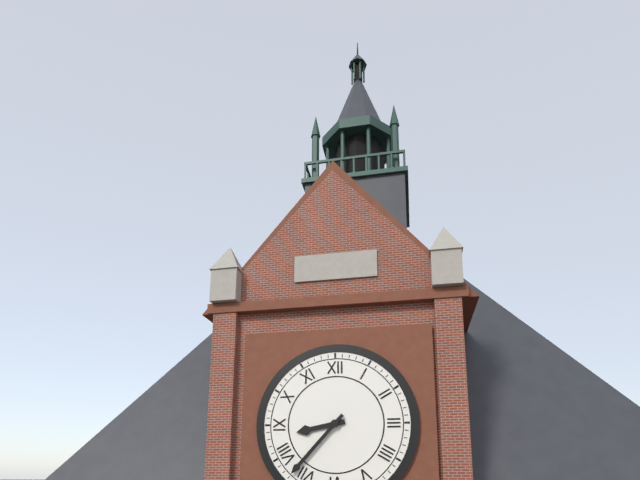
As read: h=8 m=37
